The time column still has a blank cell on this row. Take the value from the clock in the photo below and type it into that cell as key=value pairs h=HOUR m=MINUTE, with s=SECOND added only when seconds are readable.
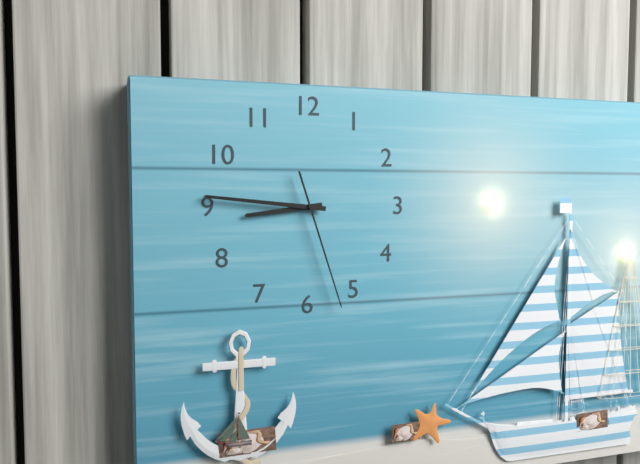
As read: h=8 m=46 s=27
